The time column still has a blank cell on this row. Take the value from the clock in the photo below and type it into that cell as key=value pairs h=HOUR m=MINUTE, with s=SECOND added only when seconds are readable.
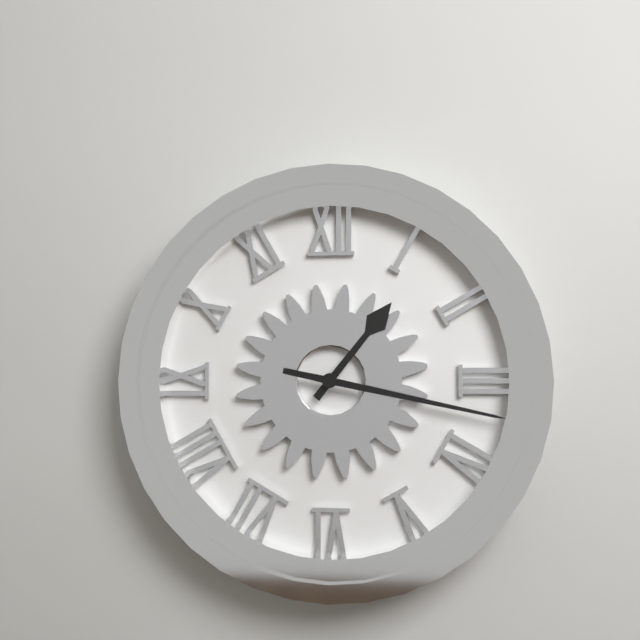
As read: h=1 m=17
